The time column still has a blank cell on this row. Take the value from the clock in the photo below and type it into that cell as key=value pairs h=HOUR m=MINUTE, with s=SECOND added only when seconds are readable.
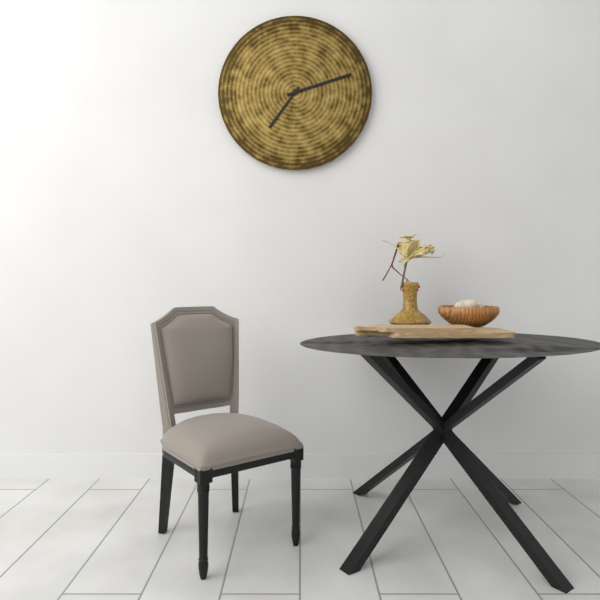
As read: h=7 m=12
